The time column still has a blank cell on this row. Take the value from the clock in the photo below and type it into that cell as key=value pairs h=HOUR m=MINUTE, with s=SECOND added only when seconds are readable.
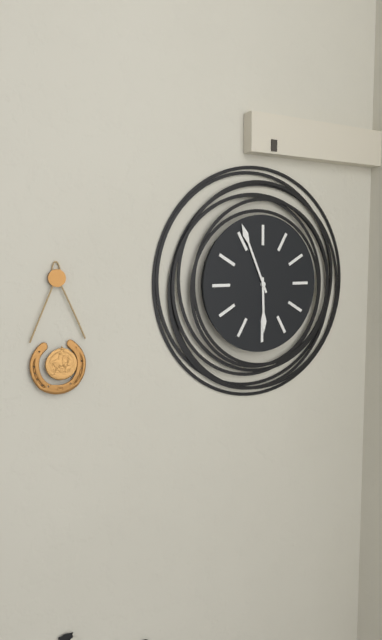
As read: h=5 m=56
